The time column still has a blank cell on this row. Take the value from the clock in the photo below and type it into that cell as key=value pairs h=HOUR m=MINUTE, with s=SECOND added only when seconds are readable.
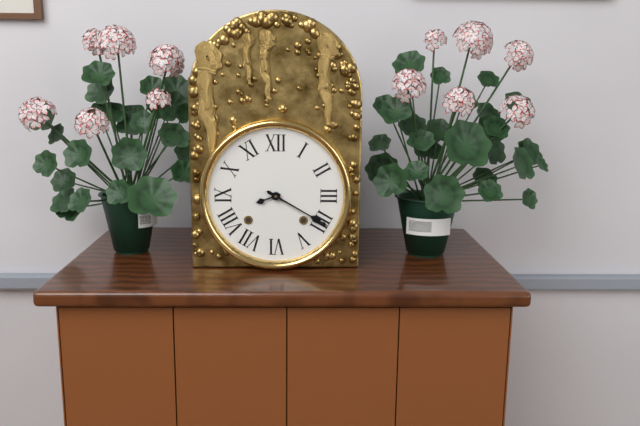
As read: h=8 m=20
